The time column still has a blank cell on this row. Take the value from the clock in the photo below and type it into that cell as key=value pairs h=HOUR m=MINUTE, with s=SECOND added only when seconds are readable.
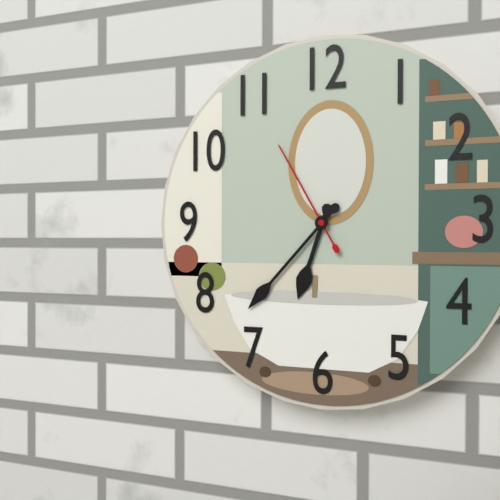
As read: h=6 m=37 s=55
